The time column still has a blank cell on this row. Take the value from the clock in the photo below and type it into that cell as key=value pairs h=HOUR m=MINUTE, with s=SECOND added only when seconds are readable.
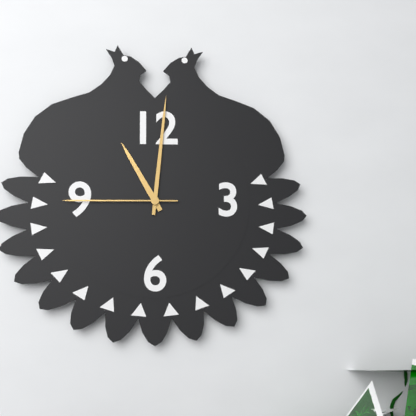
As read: h=11 m=1 s=45
